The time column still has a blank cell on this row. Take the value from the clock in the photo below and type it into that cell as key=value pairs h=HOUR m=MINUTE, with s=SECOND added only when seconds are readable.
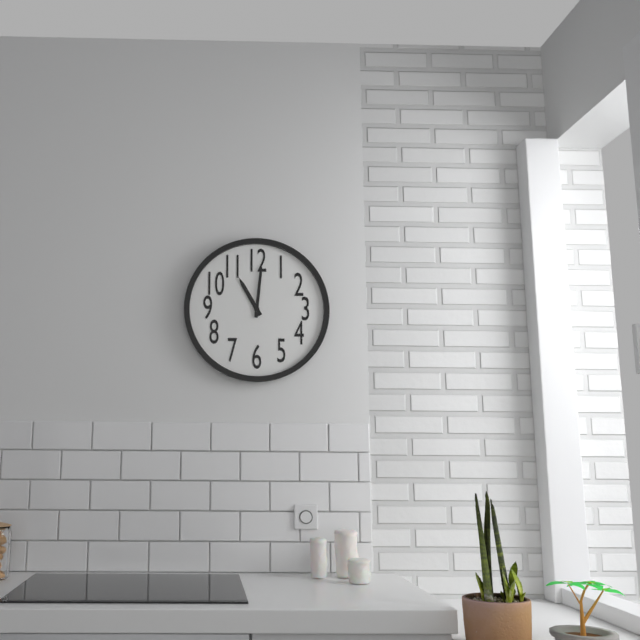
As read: h=11 m=1
